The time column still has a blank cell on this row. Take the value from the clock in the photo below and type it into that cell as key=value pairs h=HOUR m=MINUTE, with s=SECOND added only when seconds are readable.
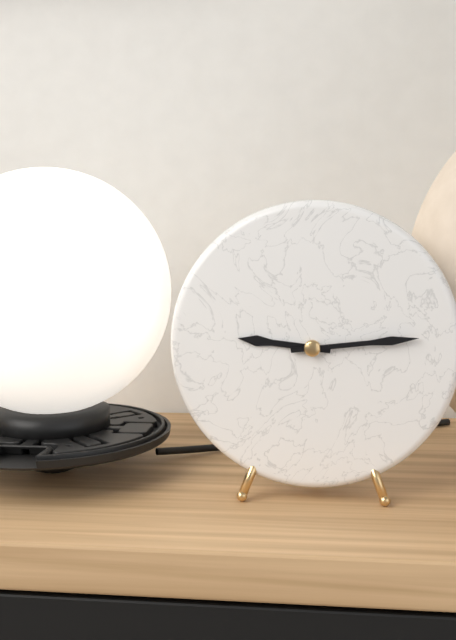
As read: h=9 m=14
